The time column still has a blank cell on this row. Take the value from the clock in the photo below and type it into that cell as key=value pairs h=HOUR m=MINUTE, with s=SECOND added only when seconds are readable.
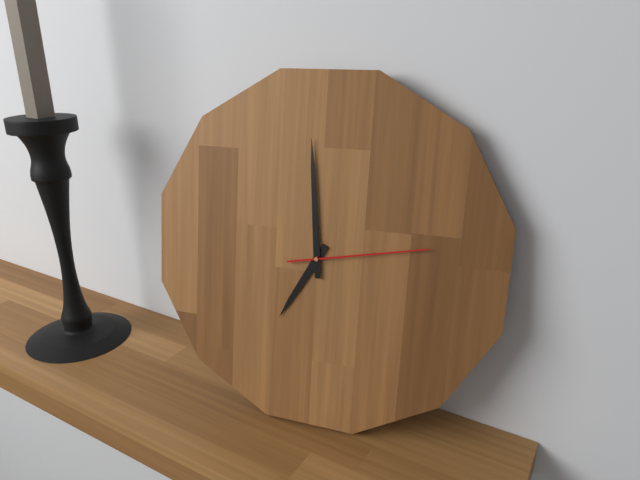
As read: h=6 m=59 s=13
